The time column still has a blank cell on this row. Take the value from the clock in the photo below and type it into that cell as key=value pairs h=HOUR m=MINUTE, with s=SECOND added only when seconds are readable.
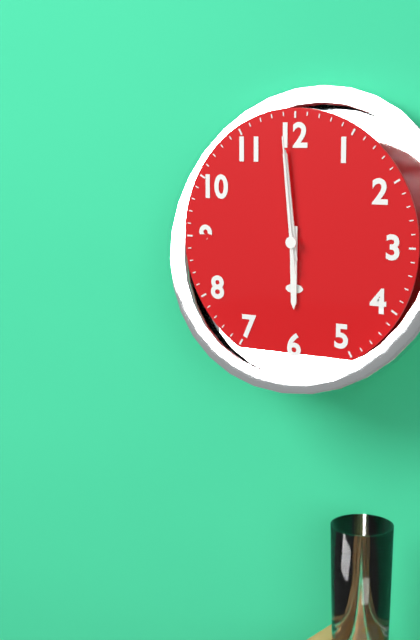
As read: h=5 m=59 s=59
